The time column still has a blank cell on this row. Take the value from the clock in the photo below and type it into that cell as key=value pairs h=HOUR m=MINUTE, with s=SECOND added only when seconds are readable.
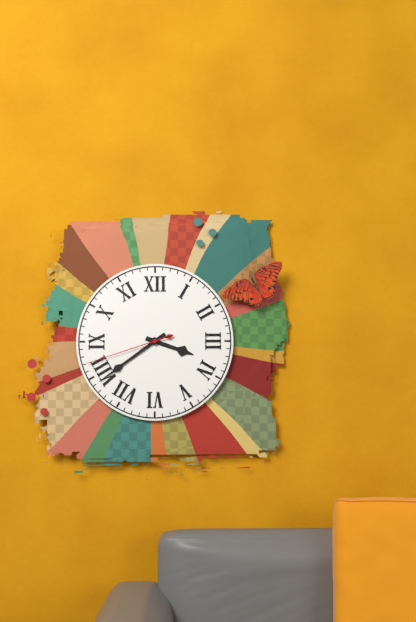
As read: h=3 m=39 s=42
